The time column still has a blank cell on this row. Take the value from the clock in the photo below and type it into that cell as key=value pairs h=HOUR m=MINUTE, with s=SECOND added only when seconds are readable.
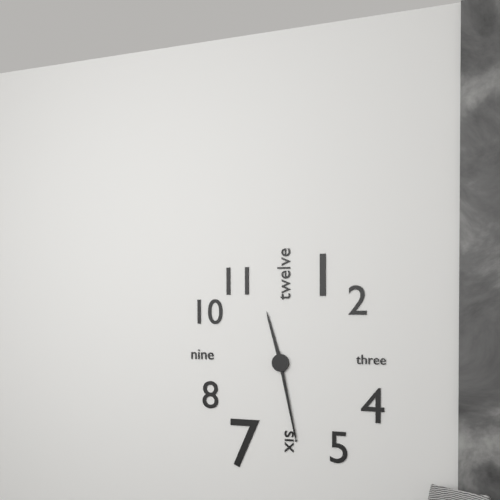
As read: h=11 m=28
